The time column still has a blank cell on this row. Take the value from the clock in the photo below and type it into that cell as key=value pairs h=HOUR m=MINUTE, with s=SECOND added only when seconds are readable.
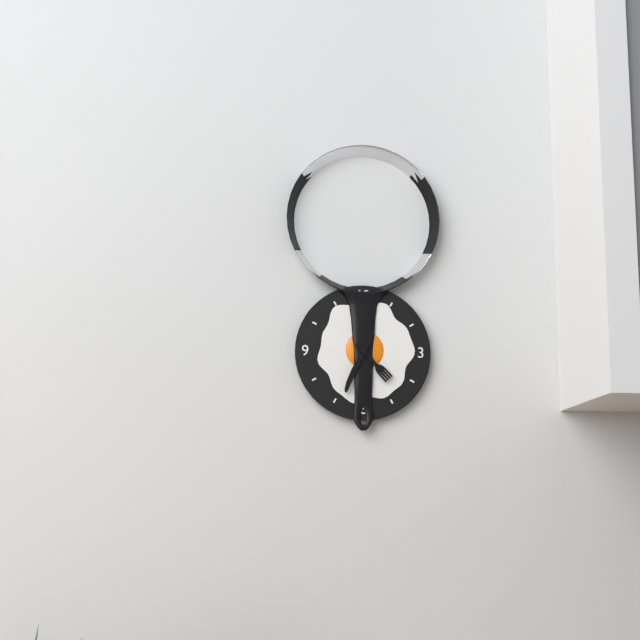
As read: h=4 m=34
